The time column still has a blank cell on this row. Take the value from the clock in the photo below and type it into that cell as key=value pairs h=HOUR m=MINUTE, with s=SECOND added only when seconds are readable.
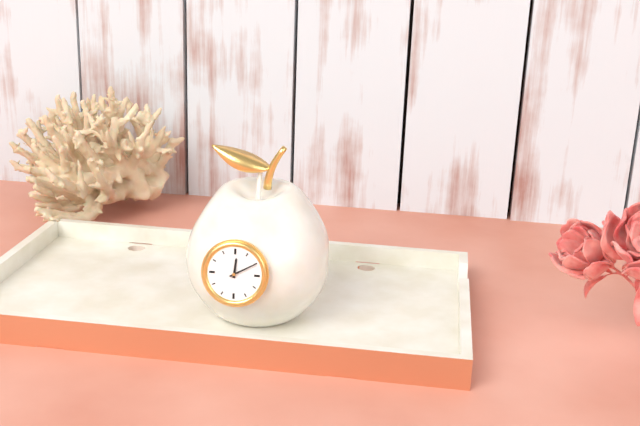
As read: h=12 m=10
